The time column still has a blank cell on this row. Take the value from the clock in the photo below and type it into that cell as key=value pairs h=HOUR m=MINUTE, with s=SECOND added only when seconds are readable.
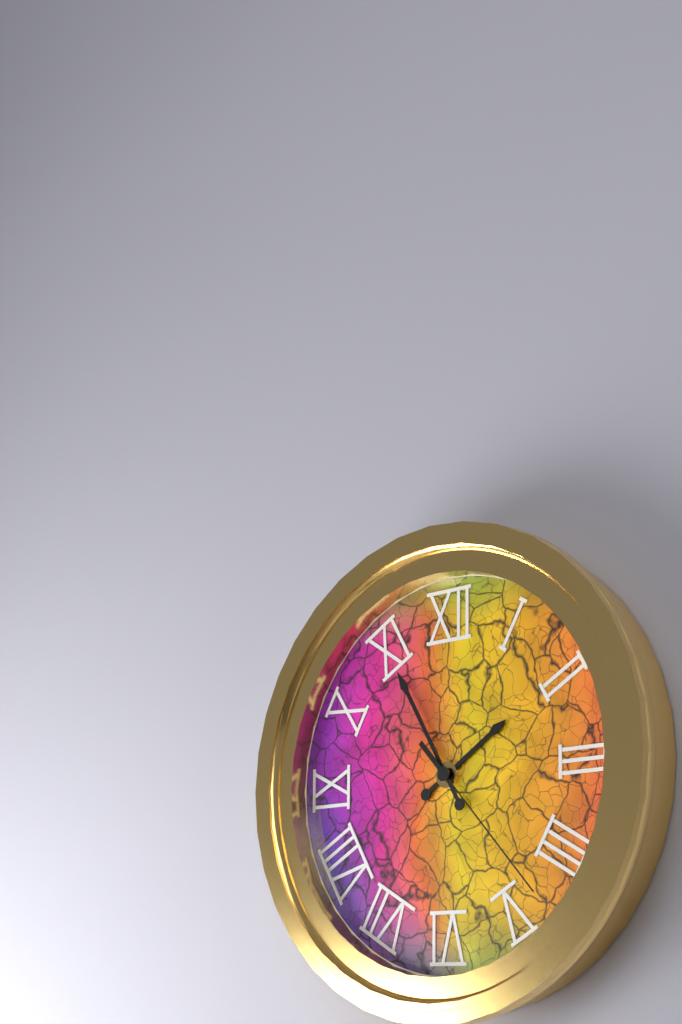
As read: h=1 m=55 s=23
